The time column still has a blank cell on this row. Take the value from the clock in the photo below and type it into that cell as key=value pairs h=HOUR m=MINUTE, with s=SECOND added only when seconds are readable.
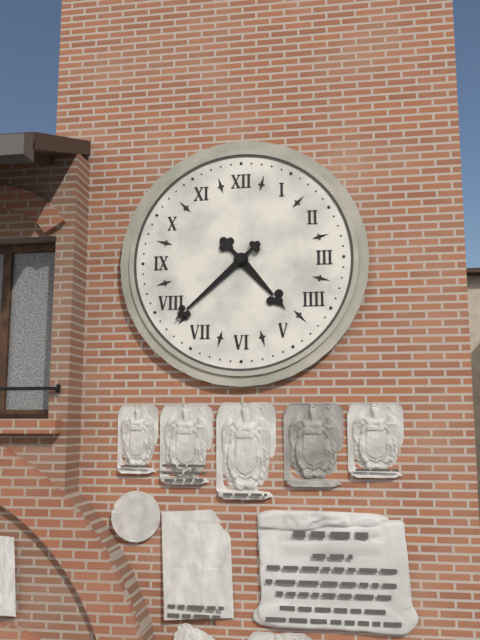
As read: h=4 m=38
